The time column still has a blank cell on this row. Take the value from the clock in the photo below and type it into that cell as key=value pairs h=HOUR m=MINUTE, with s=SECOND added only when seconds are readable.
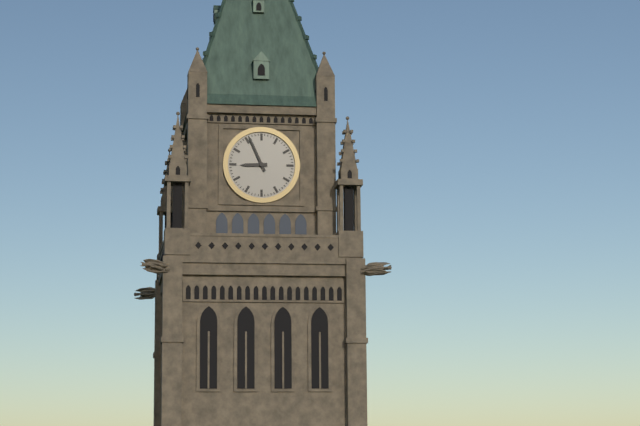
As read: h=8 m=56
